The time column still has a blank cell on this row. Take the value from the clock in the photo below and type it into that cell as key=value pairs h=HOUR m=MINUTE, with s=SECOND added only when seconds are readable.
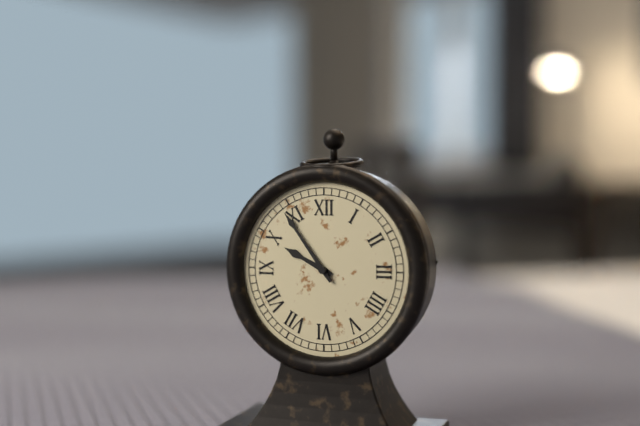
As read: h=9 m=54
